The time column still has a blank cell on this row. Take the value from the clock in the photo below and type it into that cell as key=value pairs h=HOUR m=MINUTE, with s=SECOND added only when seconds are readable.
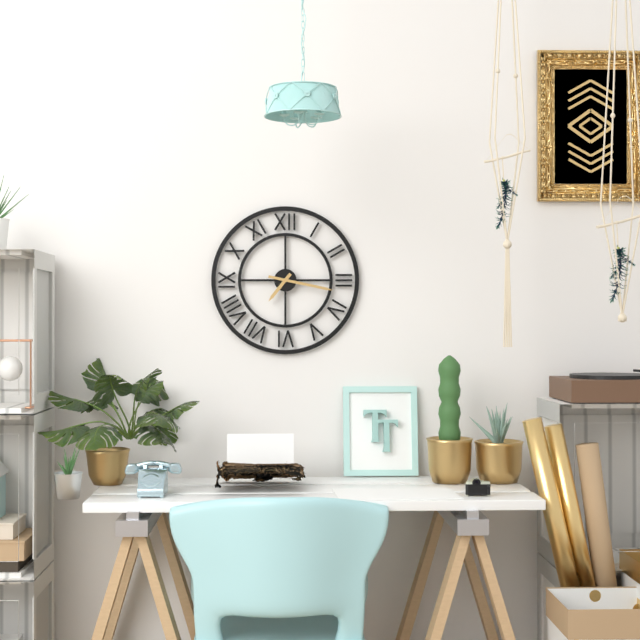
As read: h=7 m=17
